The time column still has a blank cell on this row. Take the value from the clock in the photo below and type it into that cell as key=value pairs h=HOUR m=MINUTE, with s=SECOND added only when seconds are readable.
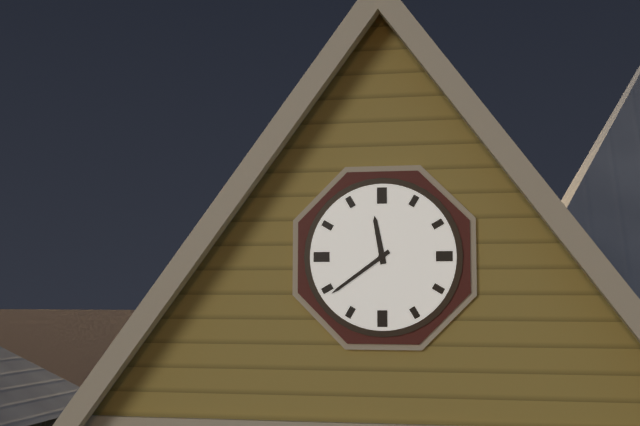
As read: h=11 m=39
